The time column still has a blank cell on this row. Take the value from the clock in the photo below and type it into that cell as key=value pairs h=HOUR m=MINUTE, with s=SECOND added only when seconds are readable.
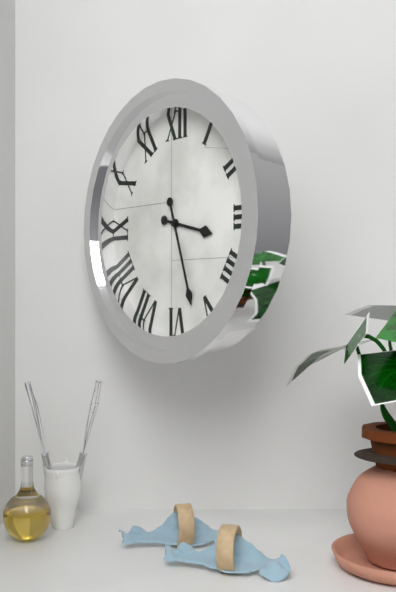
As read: h=3 m=27
